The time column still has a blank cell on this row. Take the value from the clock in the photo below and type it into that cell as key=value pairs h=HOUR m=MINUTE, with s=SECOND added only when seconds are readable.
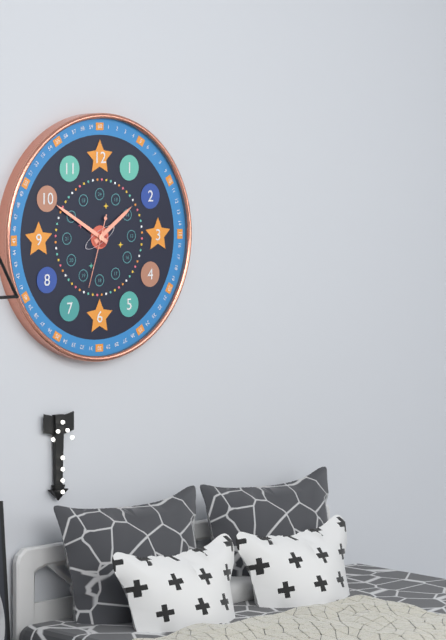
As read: h=1 m=50 s=33
